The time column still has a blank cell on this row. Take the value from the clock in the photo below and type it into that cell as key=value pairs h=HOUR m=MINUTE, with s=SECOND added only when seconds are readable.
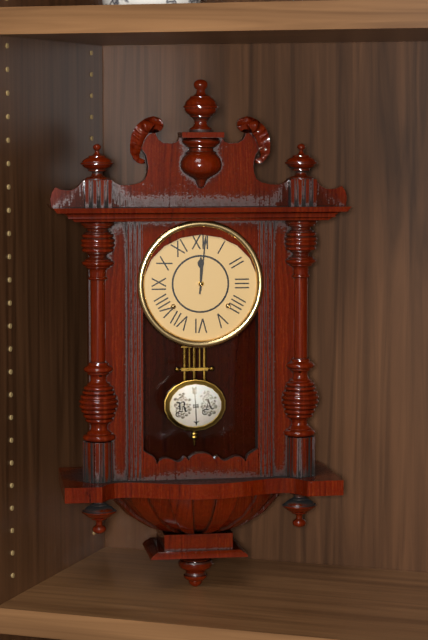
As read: h=12 m=1
